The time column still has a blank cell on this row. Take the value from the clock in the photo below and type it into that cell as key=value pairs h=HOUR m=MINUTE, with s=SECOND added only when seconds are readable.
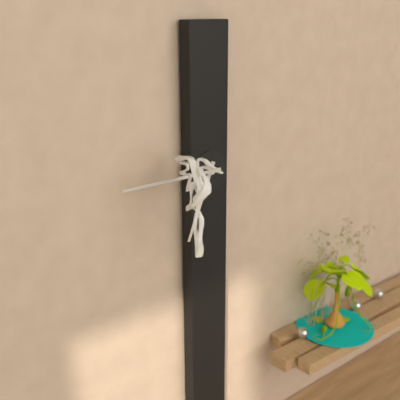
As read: h=6 m=45
